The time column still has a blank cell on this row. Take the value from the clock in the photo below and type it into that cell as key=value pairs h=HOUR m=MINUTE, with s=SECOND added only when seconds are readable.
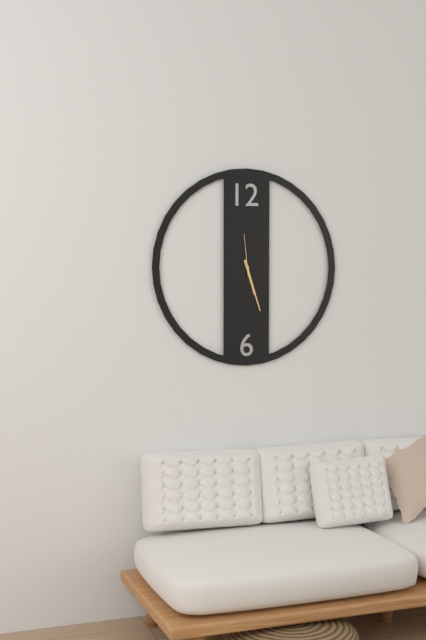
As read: h=5 m=27
